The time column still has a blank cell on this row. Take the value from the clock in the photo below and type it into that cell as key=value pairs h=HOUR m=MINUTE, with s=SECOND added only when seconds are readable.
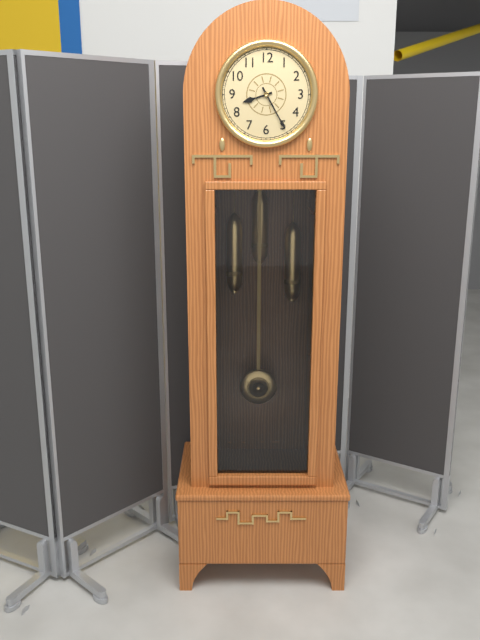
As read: h=8 m=25
